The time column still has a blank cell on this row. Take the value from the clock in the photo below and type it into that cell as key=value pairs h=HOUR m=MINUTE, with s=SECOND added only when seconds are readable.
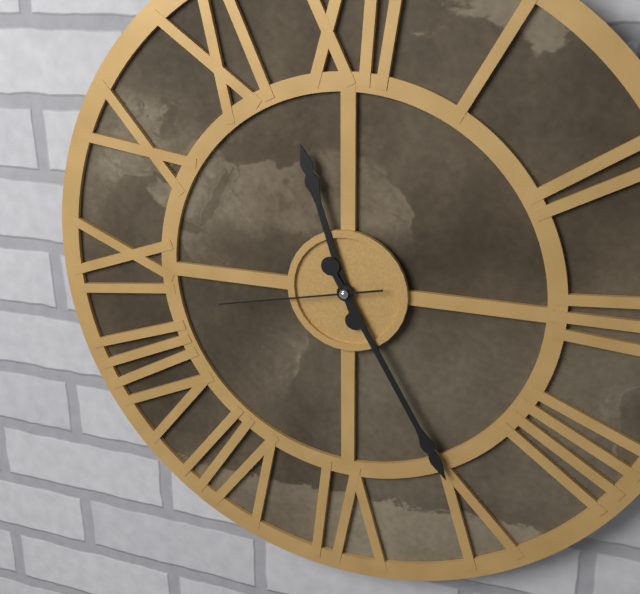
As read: h=11 m=25 s=43
